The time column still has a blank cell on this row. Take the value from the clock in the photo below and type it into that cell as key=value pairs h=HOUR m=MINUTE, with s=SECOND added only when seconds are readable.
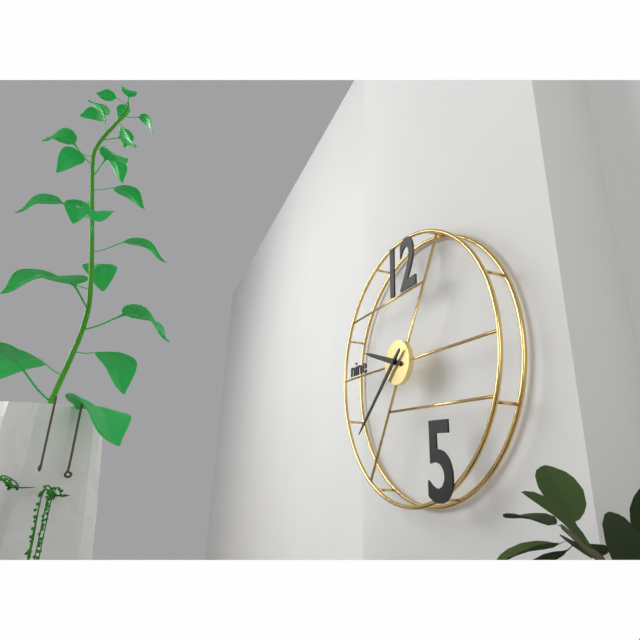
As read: h=9 m=38
